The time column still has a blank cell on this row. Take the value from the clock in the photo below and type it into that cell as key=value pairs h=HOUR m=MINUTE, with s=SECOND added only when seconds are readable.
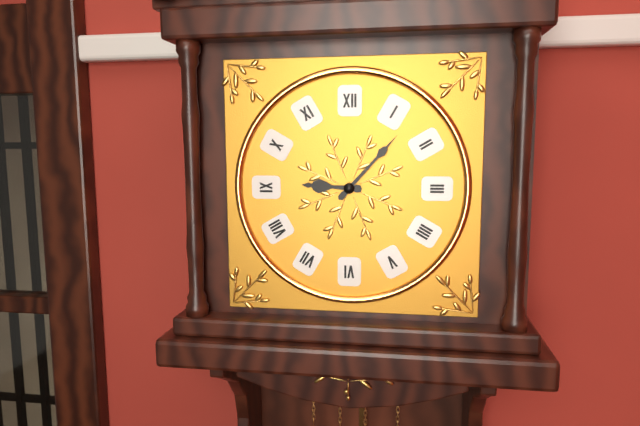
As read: h=9 m=7
